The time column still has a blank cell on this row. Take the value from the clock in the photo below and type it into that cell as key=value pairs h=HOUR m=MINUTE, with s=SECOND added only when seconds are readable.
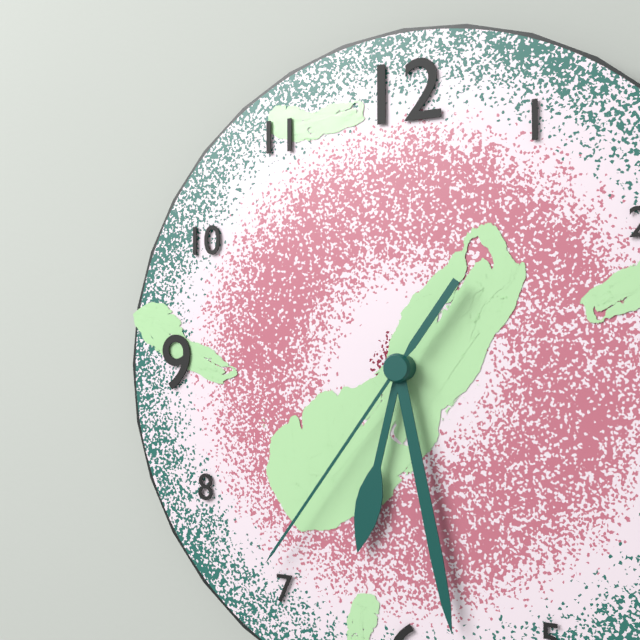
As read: h=6 m=28 s=36
